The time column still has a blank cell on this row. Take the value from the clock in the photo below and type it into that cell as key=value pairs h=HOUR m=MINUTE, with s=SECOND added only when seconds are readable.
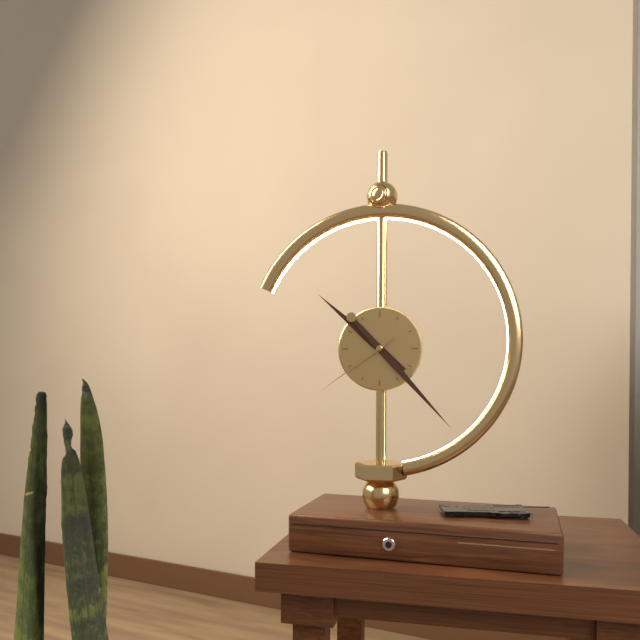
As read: h=10 m=23 s=39
